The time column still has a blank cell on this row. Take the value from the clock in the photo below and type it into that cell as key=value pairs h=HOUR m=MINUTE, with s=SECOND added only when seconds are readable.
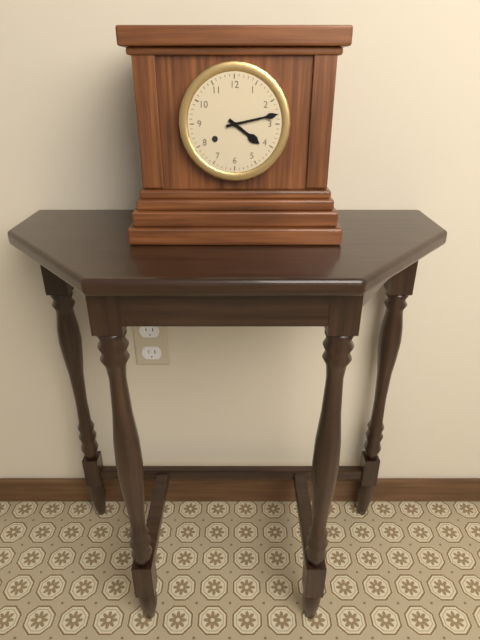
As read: h=4 m=13
